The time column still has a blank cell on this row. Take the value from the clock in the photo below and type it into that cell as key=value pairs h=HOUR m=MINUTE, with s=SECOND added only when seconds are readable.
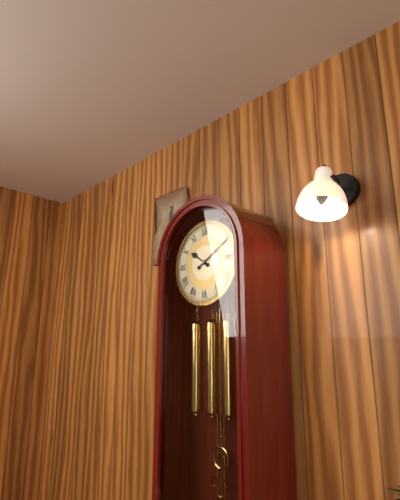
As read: h=10 m=10
